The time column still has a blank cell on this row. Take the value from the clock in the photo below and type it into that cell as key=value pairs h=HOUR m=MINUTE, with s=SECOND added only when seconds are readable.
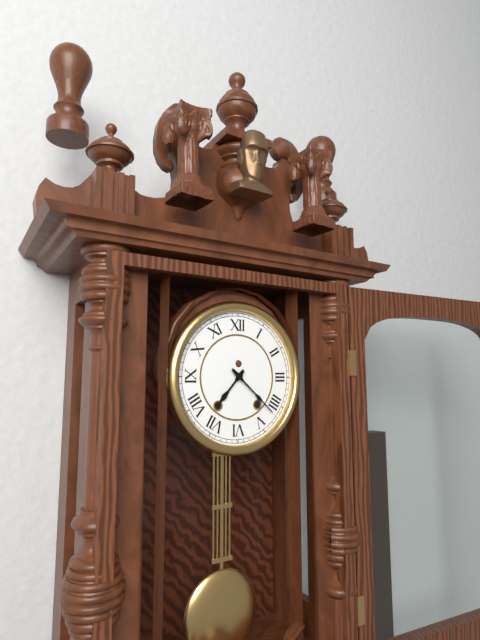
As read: h=7 m=22
